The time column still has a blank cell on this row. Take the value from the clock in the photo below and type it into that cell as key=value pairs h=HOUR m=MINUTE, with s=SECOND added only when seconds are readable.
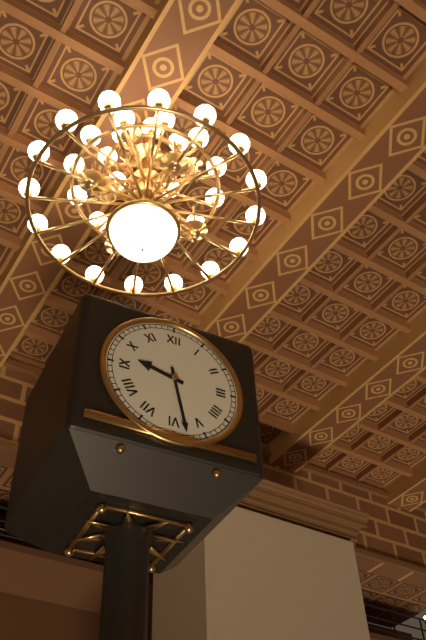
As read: h=9 m=28
